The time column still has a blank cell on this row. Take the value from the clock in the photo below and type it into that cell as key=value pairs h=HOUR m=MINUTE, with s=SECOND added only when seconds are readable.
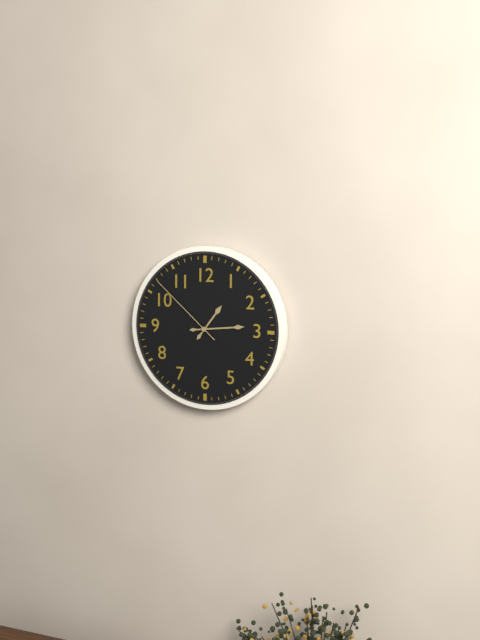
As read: h=1 m=14 s=52
